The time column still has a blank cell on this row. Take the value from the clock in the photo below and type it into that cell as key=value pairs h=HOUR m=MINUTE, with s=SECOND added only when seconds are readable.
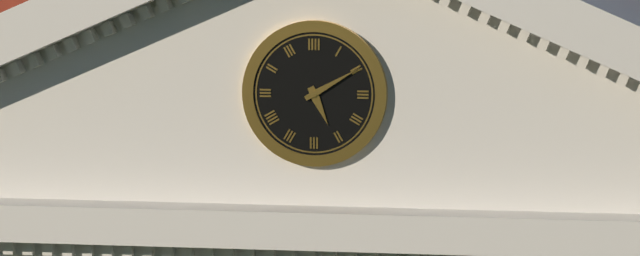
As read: h=5 m=10
